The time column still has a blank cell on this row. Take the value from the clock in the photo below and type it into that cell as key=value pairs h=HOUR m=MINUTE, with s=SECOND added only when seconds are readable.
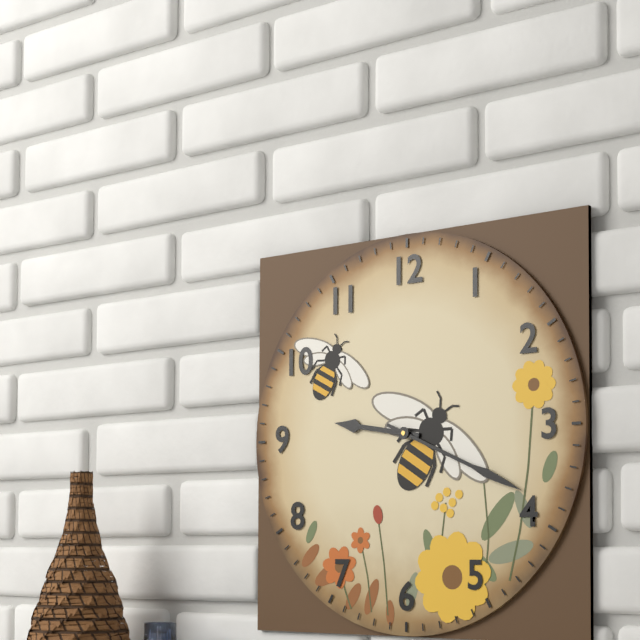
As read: h=9 m=19
